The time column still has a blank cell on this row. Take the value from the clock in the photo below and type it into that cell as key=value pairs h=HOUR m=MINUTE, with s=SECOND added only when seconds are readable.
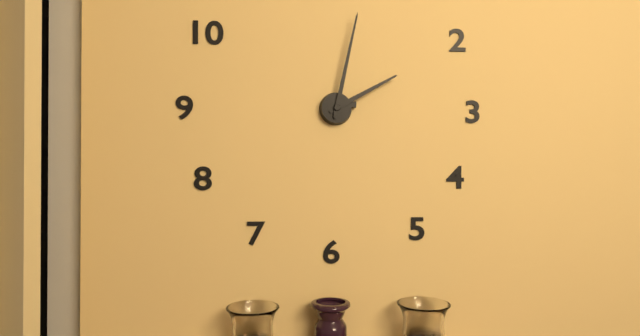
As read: h=2 m=2
